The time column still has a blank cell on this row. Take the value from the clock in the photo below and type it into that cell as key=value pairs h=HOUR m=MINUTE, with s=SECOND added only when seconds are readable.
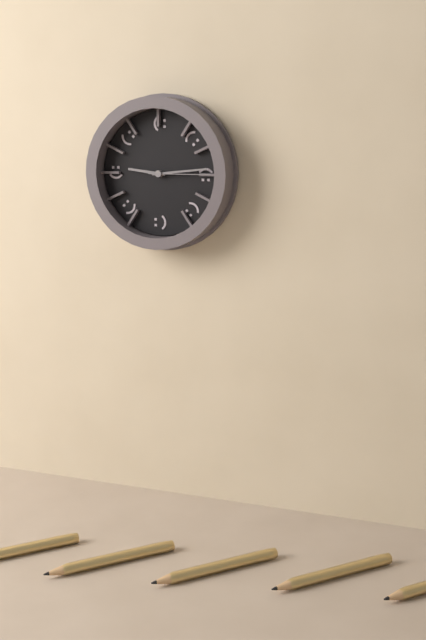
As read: h=9 m=14 s=15
